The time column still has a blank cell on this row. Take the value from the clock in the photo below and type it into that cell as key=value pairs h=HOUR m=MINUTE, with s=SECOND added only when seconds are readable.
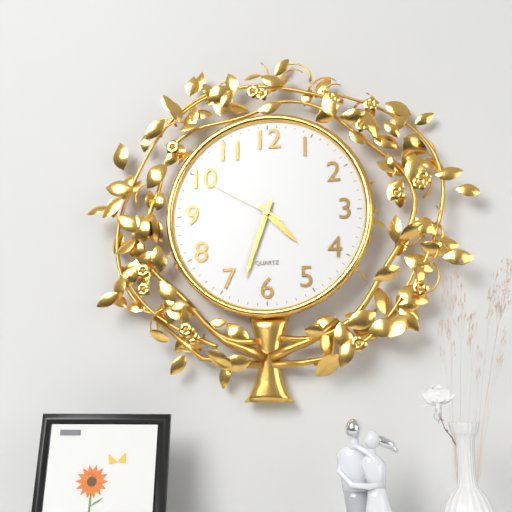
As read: h=4 m=33 s=50
